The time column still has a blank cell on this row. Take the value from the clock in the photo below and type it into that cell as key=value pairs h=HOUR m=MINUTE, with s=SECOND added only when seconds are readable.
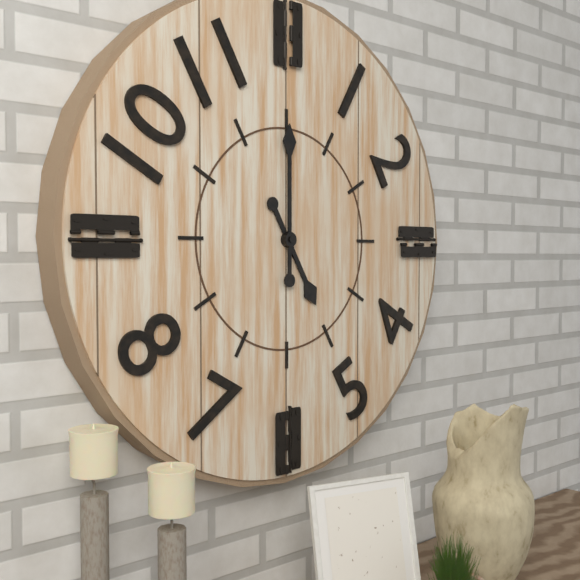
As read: h=5 m=0
